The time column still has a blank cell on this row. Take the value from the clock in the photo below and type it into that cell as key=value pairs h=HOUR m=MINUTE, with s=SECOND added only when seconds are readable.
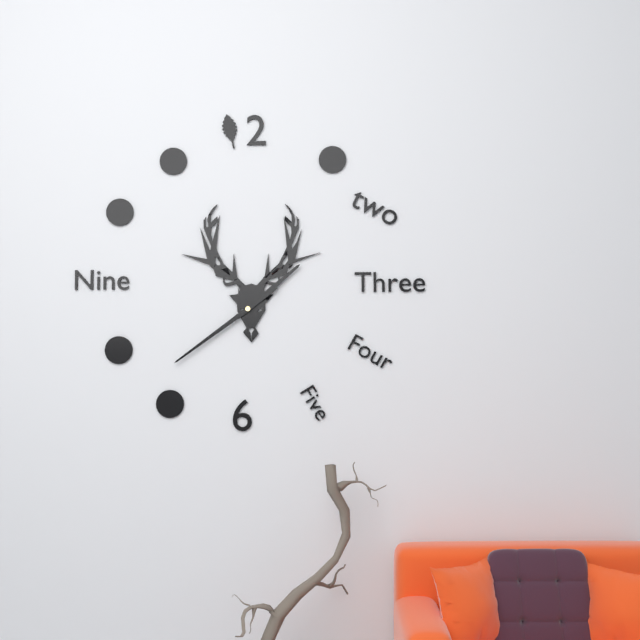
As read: h=1 m=39
